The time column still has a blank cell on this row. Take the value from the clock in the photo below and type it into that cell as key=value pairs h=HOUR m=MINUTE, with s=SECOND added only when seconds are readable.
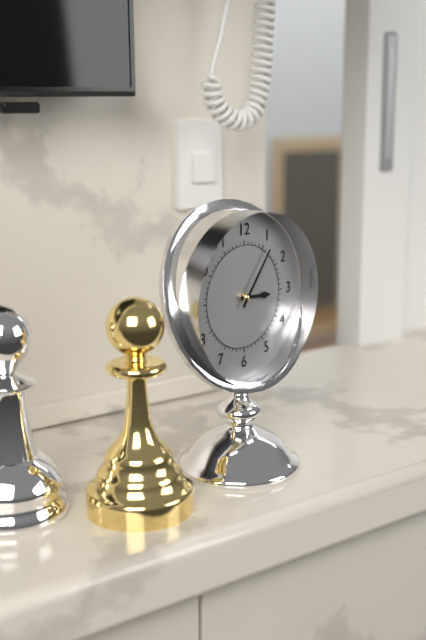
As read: h=3 m=6
